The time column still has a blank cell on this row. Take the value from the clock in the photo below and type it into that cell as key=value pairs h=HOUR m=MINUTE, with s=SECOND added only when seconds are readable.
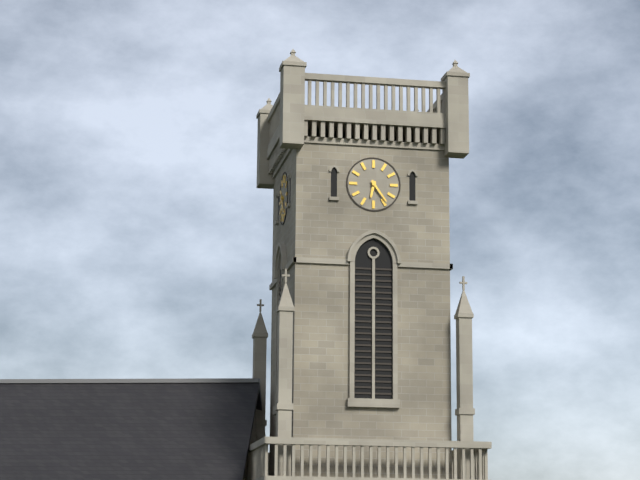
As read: h=6 m=24
